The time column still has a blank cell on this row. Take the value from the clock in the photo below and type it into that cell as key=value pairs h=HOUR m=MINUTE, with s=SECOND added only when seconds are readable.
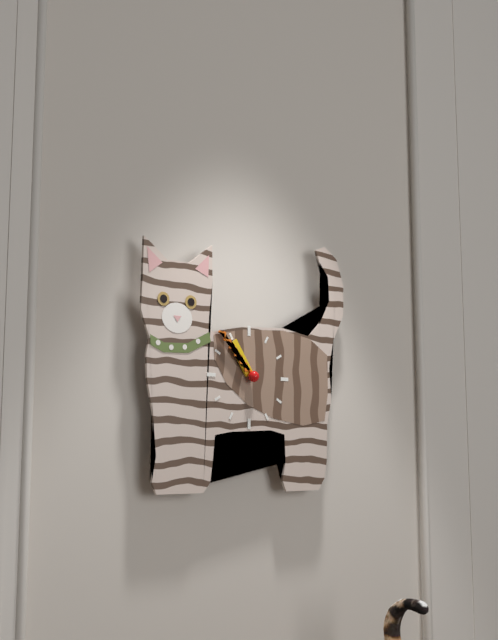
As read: h=10 m=53
